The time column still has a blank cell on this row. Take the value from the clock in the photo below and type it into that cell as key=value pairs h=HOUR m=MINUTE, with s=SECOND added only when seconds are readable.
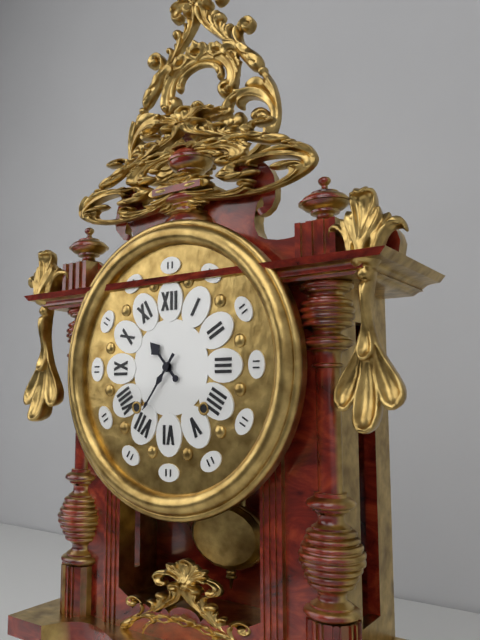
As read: h=10 m=36
